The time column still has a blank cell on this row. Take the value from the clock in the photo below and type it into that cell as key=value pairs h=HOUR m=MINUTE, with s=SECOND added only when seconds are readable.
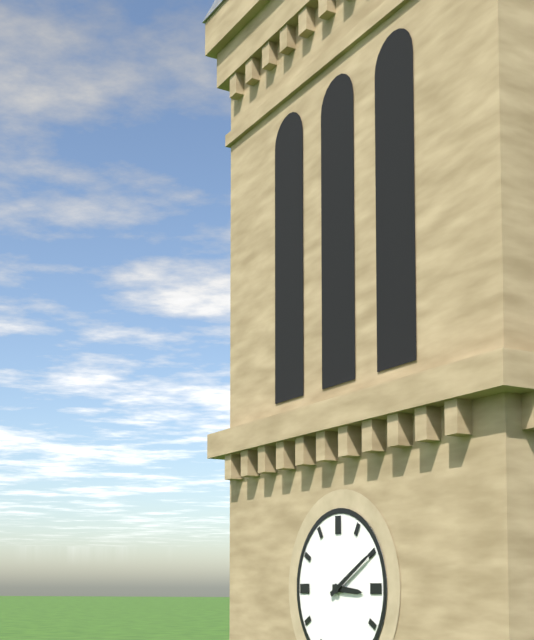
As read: h=3 m=10
